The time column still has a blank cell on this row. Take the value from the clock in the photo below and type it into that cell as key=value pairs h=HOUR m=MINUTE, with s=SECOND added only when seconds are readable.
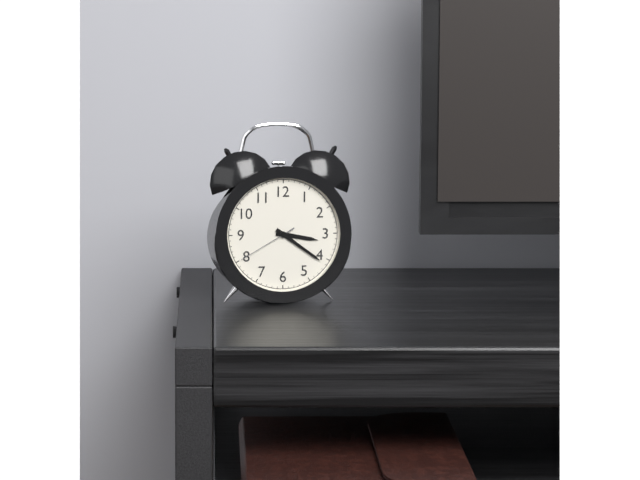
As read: h=3 m=21 s=40
